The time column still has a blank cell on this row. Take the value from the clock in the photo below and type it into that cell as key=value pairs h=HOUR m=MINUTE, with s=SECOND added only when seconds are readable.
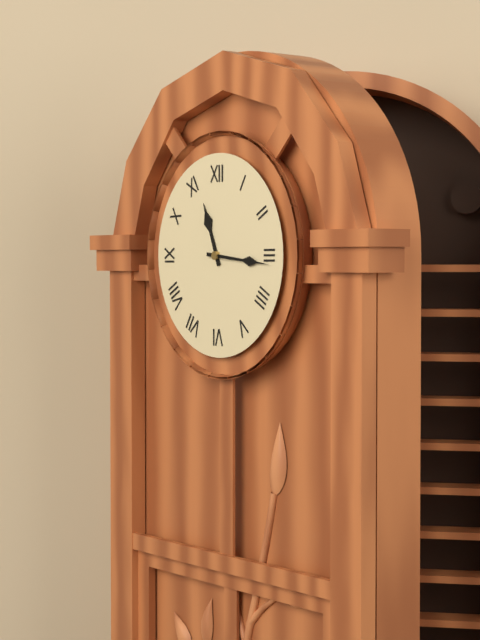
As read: h=11 m=16
